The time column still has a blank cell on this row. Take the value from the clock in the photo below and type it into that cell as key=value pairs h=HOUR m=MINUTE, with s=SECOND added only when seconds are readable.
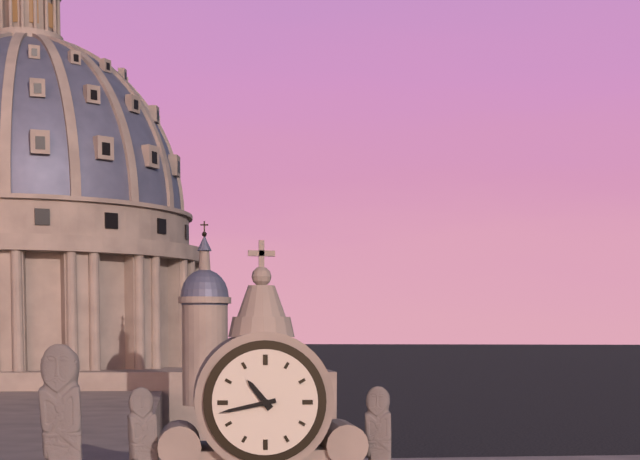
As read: h=10 m=43
